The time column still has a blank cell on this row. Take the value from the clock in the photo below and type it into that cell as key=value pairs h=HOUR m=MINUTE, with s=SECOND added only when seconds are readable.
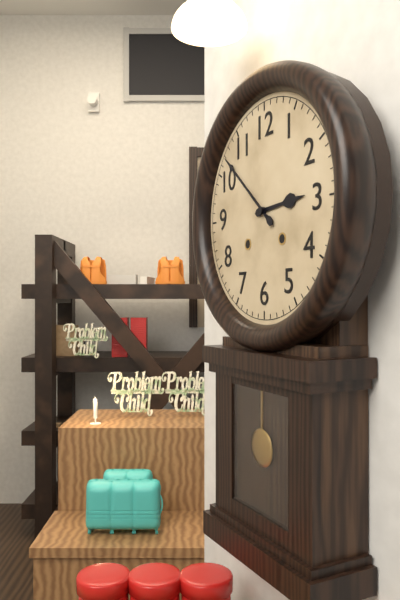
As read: h=2 m=52
